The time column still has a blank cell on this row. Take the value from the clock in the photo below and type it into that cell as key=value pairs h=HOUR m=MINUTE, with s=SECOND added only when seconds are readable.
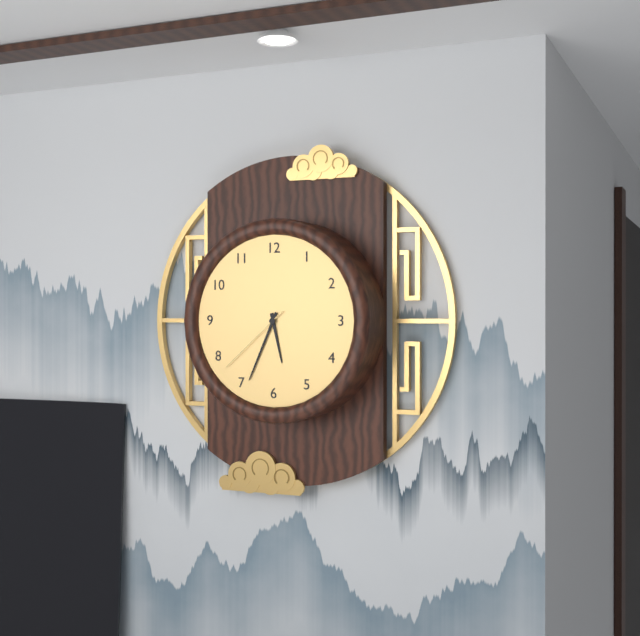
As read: h=5 m=34 s=38
